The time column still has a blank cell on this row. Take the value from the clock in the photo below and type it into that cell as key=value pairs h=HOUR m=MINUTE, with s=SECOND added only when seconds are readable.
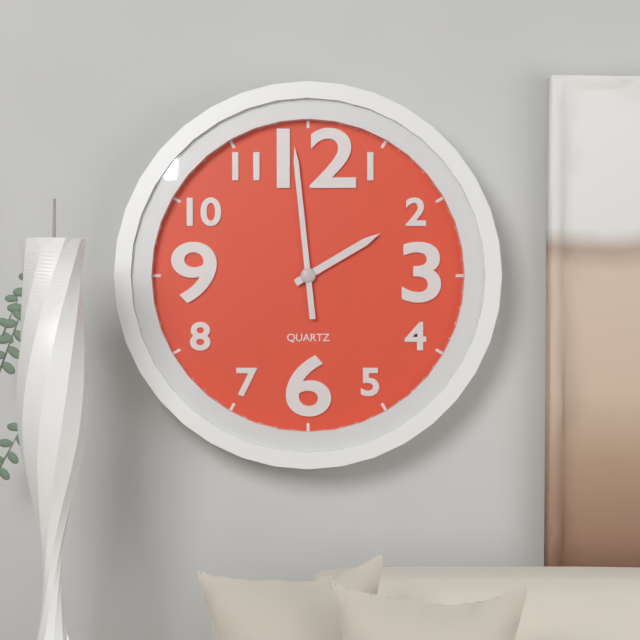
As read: h=1 m=59
